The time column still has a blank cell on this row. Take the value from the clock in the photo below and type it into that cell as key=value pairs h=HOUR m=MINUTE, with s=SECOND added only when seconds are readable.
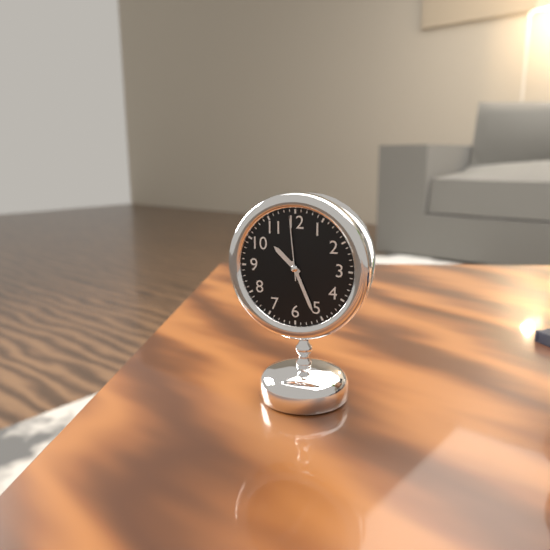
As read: h=10 m=26 s=59
